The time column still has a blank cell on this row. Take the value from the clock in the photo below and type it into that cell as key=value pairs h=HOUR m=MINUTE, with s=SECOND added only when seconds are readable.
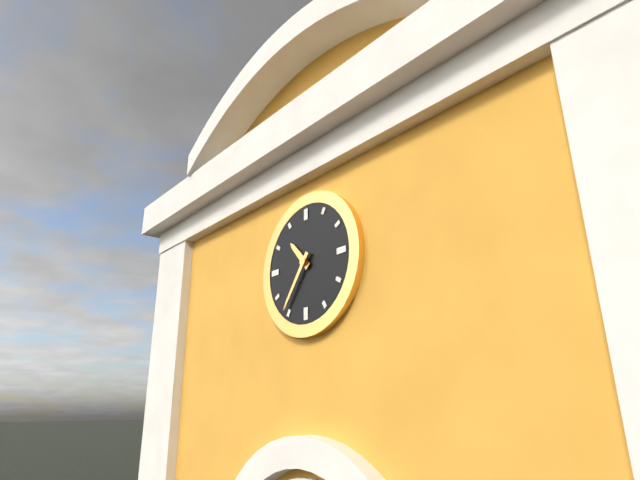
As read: h=10 m=36
